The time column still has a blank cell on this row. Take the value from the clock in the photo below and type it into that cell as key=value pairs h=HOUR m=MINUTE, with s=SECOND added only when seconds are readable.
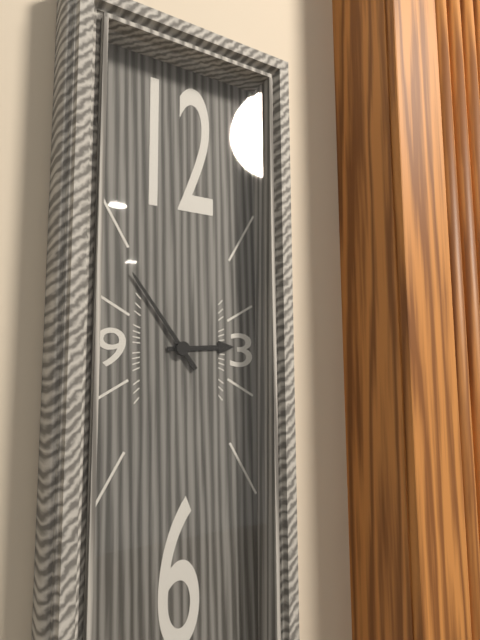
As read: h=2 m=54
